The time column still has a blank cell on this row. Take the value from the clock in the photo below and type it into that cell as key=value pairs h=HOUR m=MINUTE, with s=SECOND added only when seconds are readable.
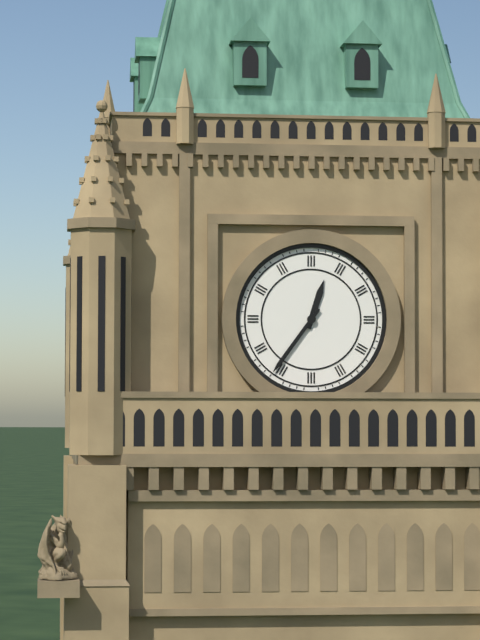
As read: h=12 m=36
